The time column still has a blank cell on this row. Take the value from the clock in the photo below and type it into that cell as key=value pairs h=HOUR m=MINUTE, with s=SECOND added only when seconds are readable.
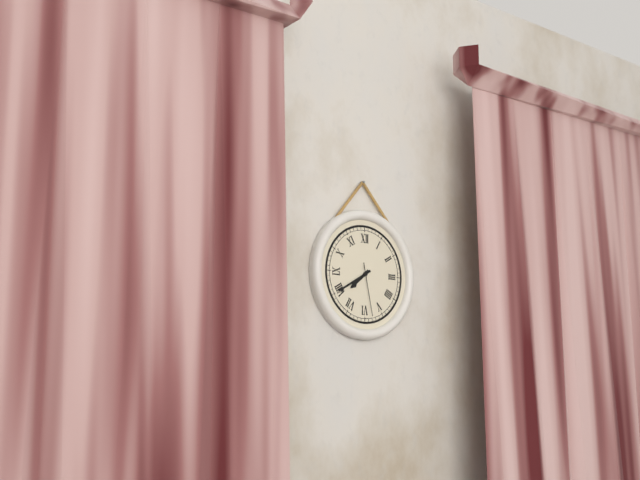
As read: h=7 m=40 s=28
